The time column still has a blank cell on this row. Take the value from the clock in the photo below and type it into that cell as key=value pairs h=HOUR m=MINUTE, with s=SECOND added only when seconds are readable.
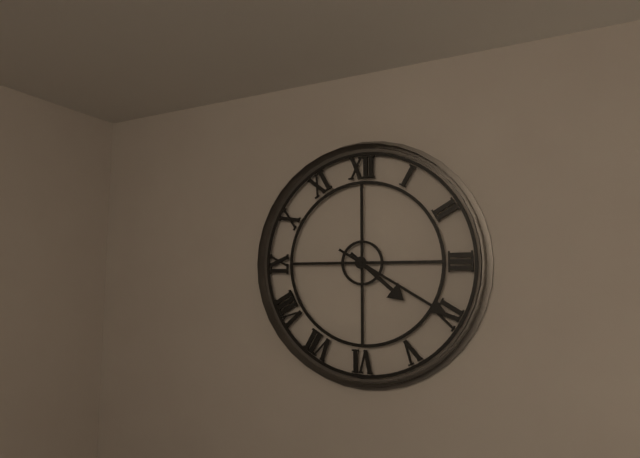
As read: h=4 m=20
